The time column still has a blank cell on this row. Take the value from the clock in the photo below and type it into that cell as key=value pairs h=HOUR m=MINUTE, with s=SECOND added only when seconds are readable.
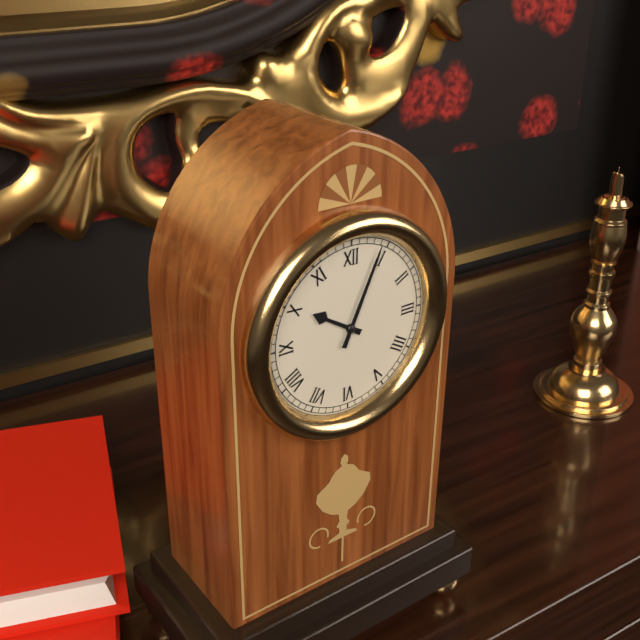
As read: h=10 m=4
